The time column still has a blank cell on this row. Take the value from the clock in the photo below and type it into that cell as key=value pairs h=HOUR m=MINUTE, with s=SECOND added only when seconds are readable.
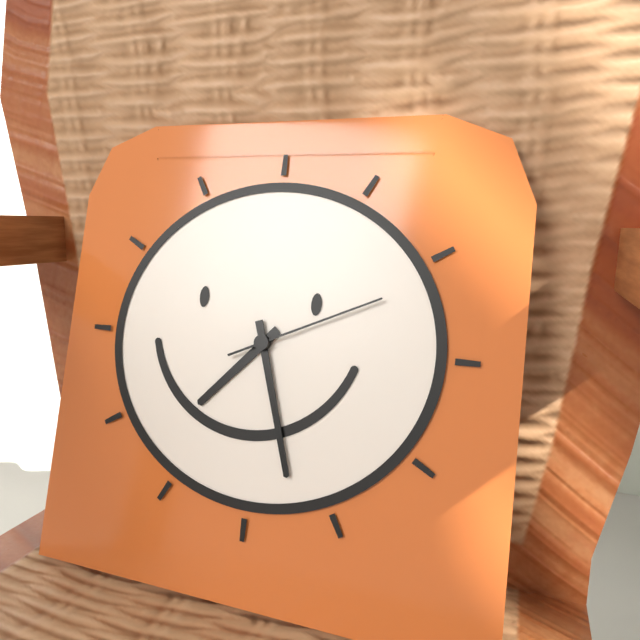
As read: h=7 m=27 s=11
